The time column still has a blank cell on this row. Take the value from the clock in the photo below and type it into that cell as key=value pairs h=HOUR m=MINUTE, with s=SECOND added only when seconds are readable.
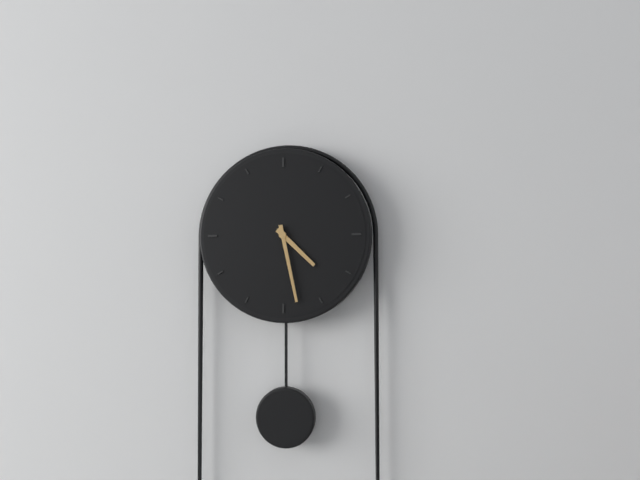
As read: h=4 m=28
